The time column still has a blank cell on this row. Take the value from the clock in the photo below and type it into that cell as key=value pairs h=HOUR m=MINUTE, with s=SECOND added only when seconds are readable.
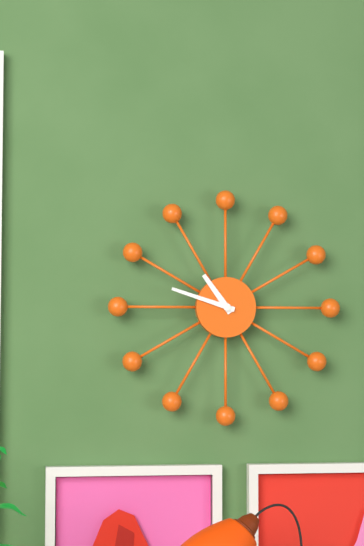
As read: h=10 m=48
